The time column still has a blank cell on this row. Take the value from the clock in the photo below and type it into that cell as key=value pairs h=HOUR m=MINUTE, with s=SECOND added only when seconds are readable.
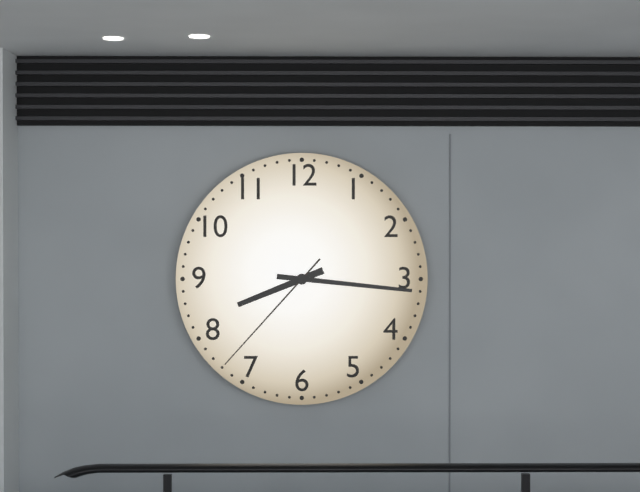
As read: h=8 m=16 s=37
